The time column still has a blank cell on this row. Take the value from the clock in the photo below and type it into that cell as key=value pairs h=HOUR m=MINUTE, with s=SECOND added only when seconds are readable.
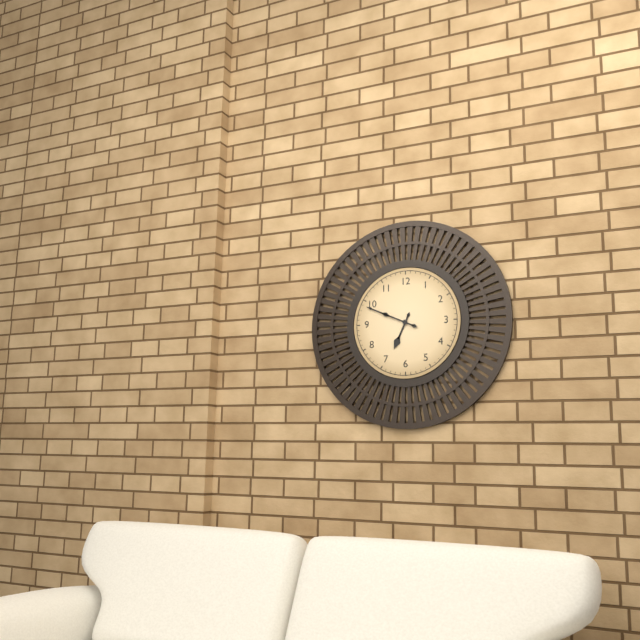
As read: h=6 m=49
